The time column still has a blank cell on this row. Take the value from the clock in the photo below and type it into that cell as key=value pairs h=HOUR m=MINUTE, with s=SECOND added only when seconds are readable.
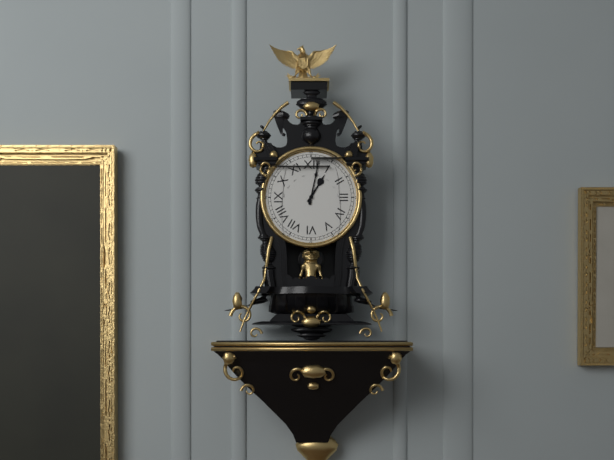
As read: h=1 m=2
